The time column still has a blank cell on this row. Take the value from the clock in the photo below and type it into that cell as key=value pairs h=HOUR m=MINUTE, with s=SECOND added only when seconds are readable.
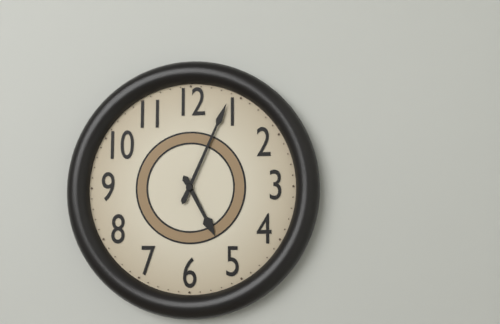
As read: h=5 m=4
